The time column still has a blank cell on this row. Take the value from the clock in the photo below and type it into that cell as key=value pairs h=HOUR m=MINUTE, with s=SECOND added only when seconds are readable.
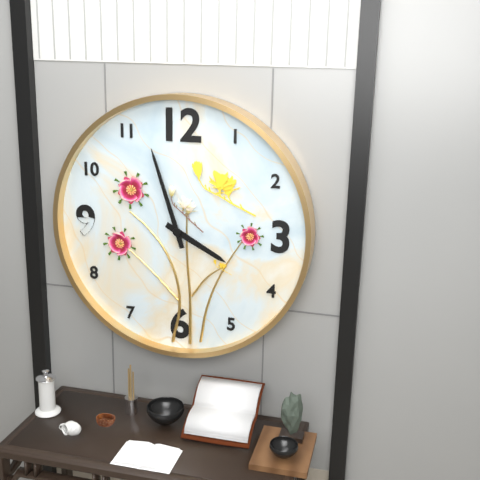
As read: h=3 m=57
